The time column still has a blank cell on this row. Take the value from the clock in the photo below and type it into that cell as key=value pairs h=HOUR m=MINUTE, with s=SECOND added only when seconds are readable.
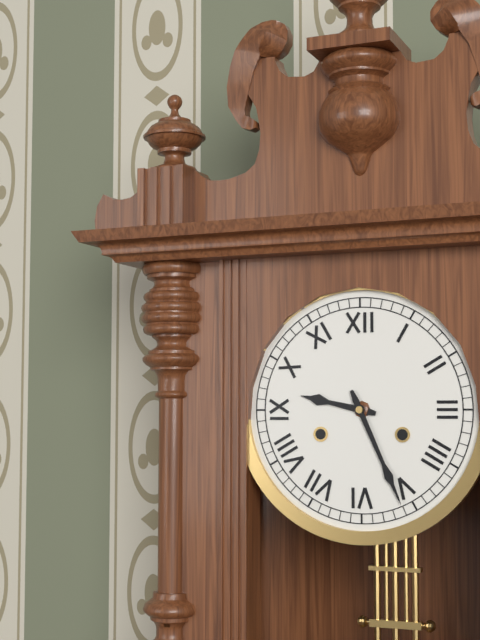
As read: h=9 m=26
